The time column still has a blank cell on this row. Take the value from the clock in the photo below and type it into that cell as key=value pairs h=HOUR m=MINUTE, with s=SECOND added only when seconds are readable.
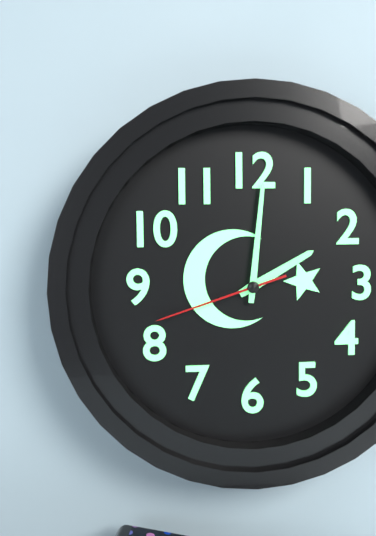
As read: h=2 m=1 s=42
